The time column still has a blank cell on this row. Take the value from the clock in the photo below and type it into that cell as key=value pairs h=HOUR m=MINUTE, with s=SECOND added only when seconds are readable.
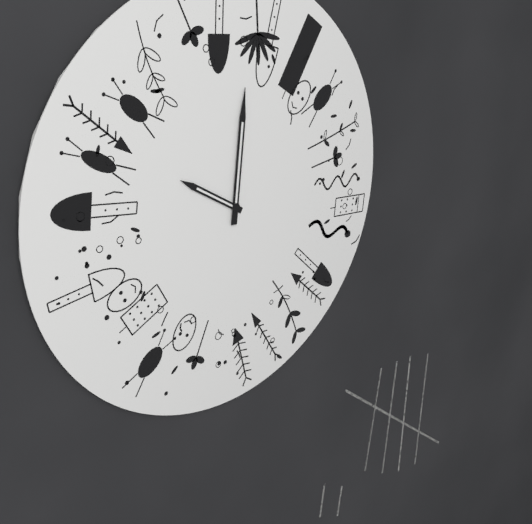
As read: h=10 m=1
